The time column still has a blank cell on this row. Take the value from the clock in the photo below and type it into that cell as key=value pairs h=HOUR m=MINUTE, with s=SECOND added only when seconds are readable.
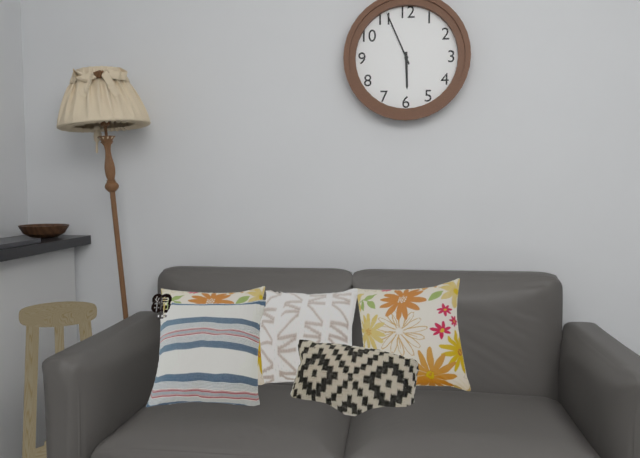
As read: h=5 m=56
